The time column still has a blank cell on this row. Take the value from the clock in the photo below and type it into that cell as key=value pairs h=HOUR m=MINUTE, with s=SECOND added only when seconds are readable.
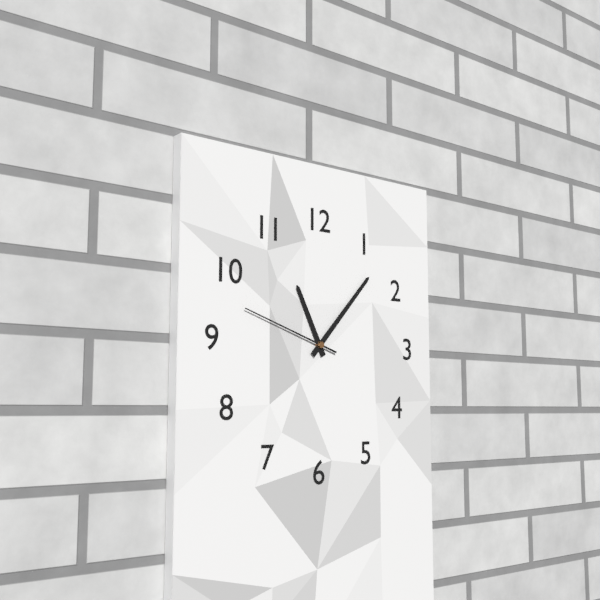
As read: h=11 m=7 s=48
